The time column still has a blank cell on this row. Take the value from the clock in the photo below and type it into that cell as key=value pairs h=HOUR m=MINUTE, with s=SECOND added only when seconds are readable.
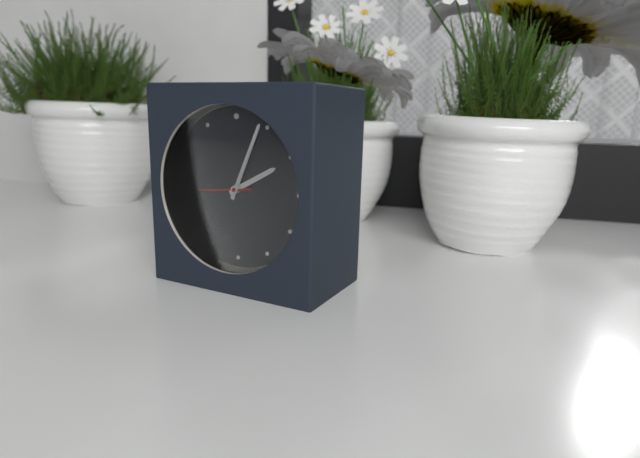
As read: h=2 m=4 s=44
